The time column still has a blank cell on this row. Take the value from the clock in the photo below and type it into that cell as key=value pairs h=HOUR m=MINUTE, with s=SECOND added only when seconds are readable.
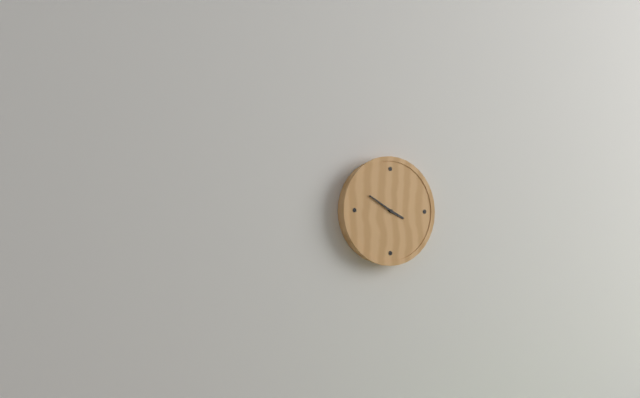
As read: h=3 m=50
